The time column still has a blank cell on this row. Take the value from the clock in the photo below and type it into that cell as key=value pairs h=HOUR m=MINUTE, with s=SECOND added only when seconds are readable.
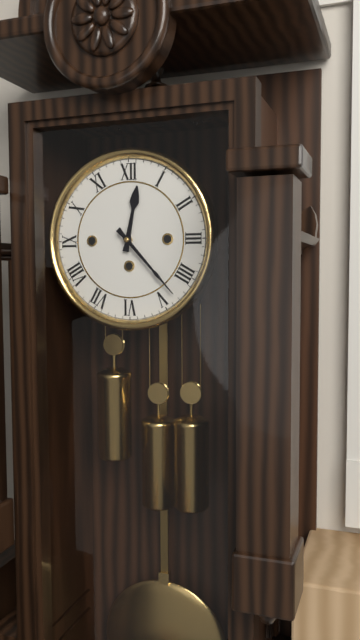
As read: h=12 m=23
